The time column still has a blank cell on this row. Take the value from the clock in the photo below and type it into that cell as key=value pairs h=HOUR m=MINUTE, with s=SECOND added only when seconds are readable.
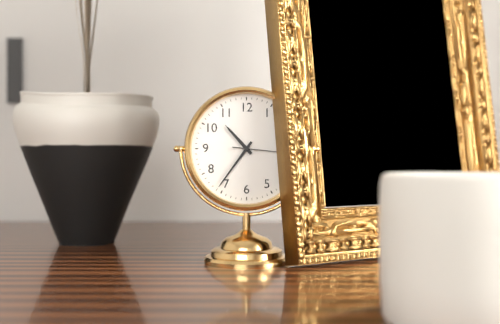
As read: h=10 m=36
